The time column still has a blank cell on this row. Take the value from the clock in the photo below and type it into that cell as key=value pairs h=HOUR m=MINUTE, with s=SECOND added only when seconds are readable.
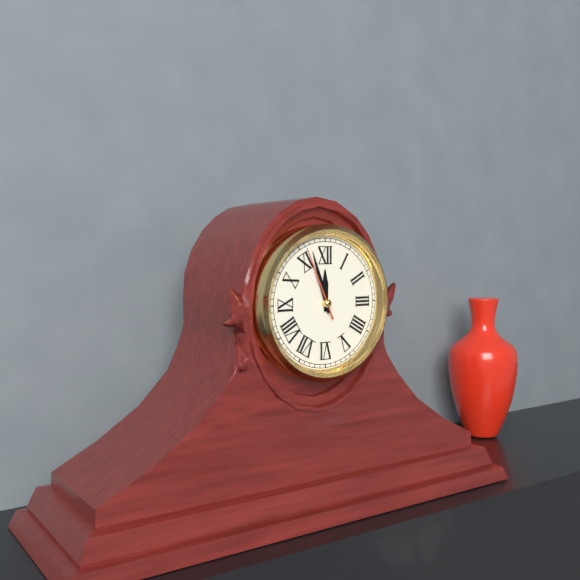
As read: h=11 m=57 s=56
